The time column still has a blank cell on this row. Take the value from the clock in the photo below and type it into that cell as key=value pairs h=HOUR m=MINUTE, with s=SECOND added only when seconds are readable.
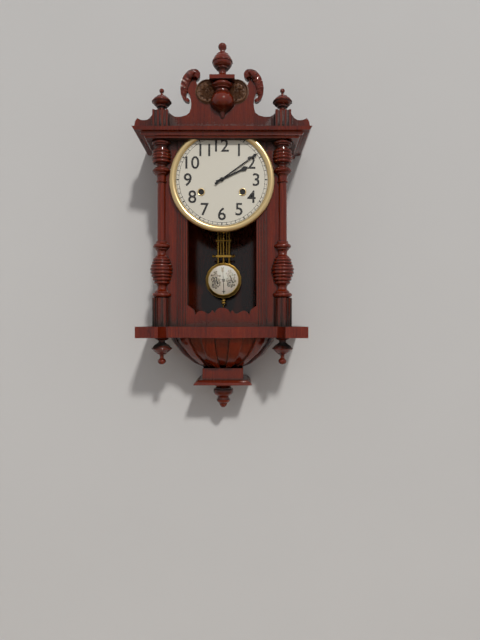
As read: h=2 m=9
